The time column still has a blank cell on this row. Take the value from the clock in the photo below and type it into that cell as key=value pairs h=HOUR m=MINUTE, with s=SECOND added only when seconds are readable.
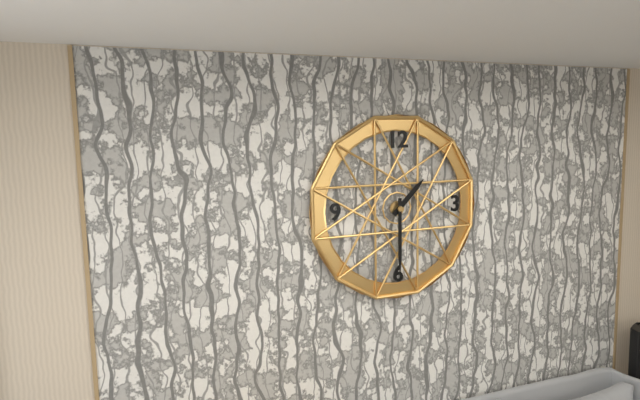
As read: h=1 m=30
